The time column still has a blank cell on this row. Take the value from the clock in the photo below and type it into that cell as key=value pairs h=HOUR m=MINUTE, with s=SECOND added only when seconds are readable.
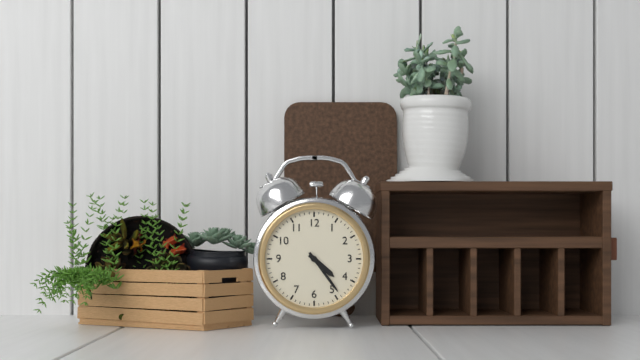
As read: h=4 m=24
